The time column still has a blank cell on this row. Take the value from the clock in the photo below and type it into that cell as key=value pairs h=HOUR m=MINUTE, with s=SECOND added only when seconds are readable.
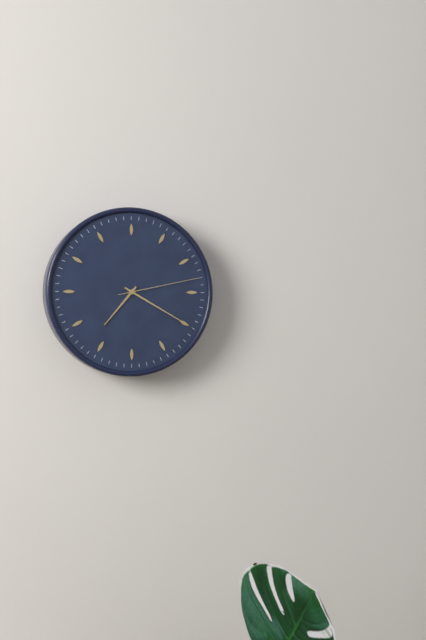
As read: h=7 m=20 s=13
